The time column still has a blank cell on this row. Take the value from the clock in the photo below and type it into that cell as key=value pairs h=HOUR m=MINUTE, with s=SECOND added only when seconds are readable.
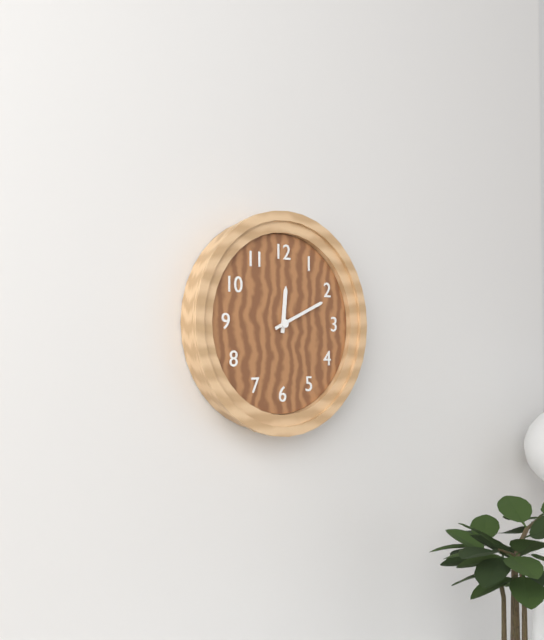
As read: h=12 m=11
